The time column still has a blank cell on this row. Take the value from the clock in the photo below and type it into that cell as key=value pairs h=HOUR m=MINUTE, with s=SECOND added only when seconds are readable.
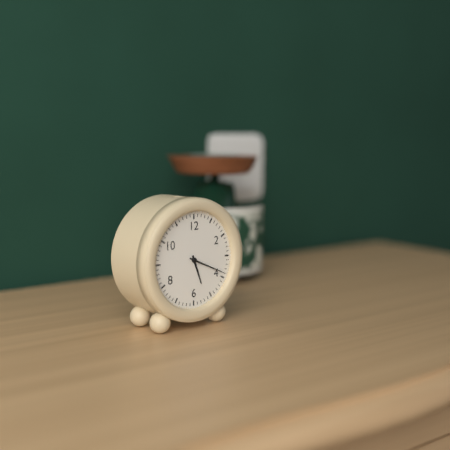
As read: h=5 m=19
